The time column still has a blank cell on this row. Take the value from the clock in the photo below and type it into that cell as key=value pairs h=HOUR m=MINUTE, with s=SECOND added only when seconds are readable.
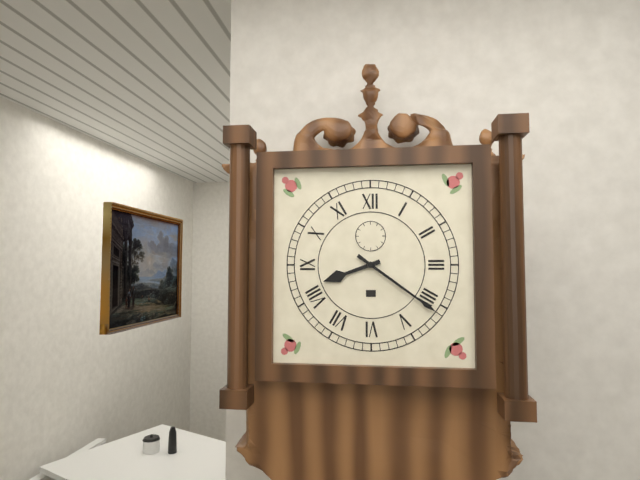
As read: h=8 m=21
